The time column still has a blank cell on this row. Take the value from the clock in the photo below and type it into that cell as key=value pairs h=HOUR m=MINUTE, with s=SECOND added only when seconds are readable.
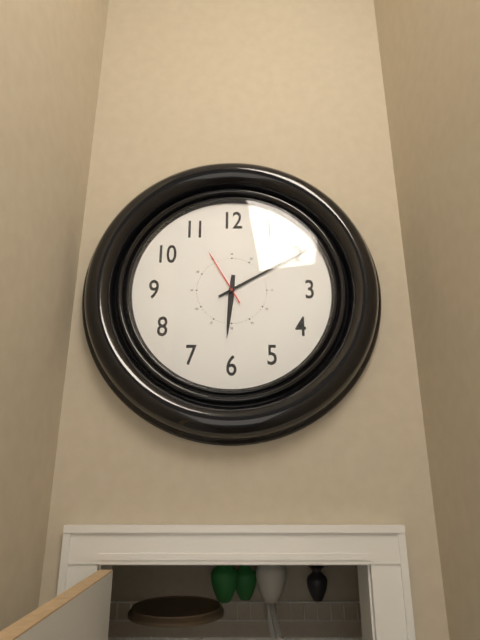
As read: h=6 m=10 s=55
